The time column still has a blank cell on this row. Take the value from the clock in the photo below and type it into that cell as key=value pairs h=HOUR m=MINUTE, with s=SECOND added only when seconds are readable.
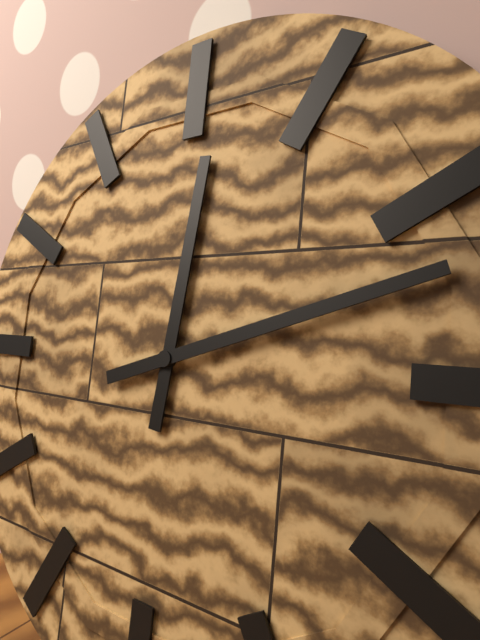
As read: h=12 m=12
